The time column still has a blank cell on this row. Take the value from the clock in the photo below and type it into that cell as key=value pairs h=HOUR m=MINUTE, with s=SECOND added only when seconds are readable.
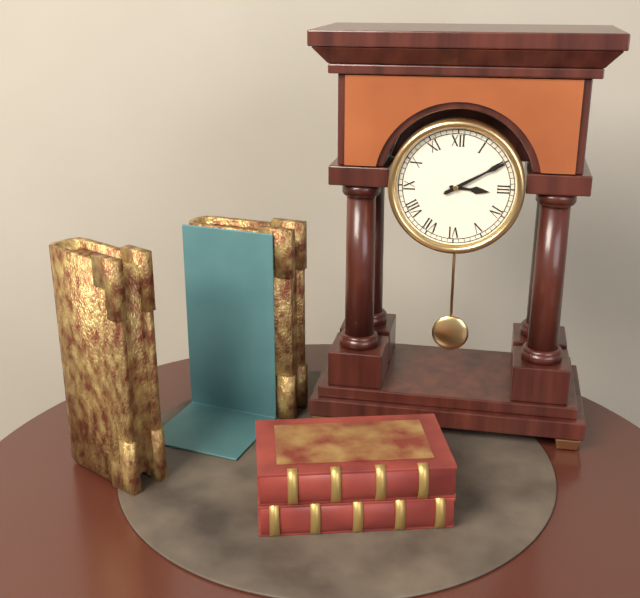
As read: h=3 m=10
